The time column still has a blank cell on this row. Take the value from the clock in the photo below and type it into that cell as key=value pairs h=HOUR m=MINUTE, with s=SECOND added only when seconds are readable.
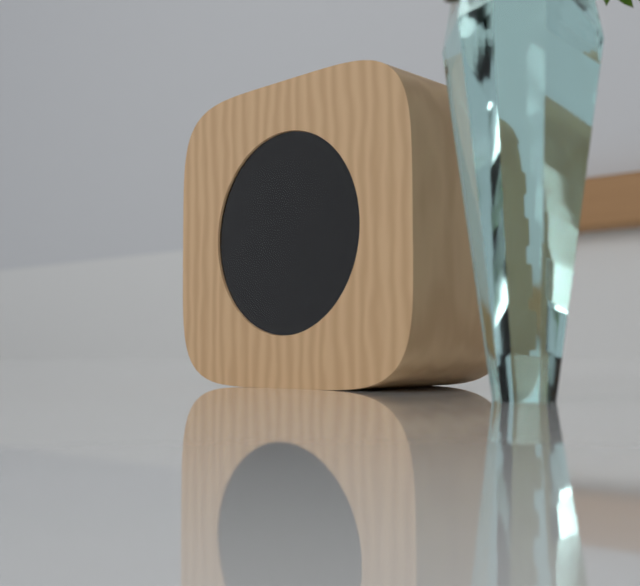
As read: h=2 m=22 s=0
